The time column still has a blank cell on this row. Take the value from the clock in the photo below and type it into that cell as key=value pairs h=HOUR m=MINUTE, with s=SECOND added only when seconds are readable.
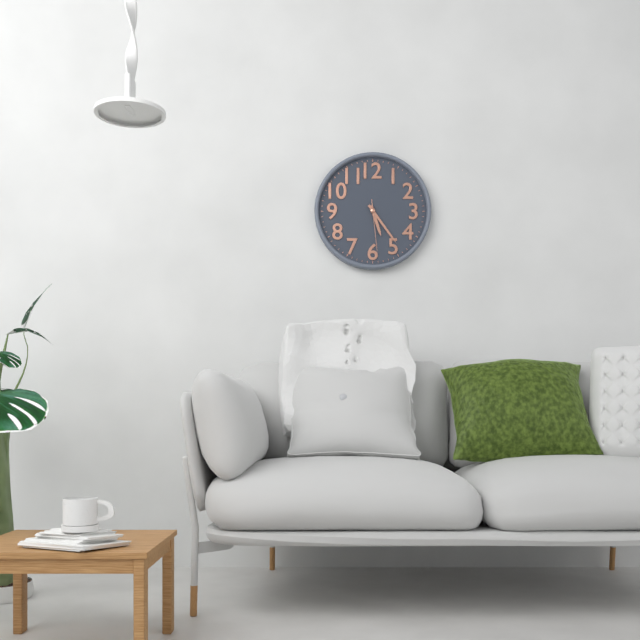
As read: h=5 m=24 s=29
